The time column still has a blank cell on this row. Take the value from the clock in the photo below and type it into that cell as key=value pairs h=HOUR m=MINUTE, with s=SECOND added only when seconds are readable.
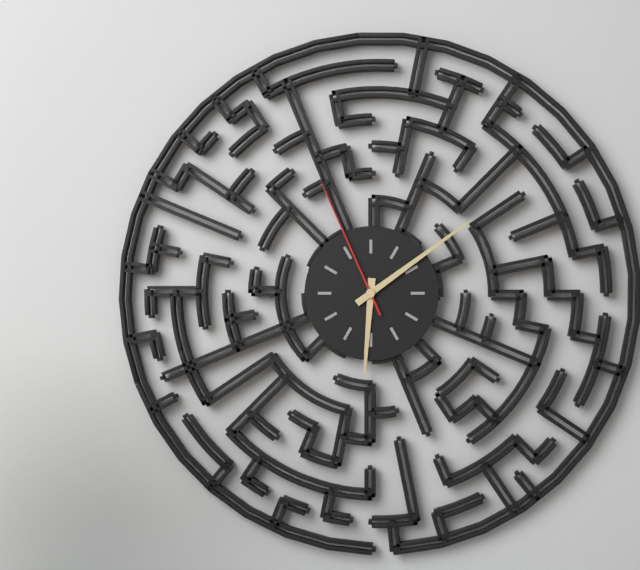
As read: h=6 m=9 s=56
